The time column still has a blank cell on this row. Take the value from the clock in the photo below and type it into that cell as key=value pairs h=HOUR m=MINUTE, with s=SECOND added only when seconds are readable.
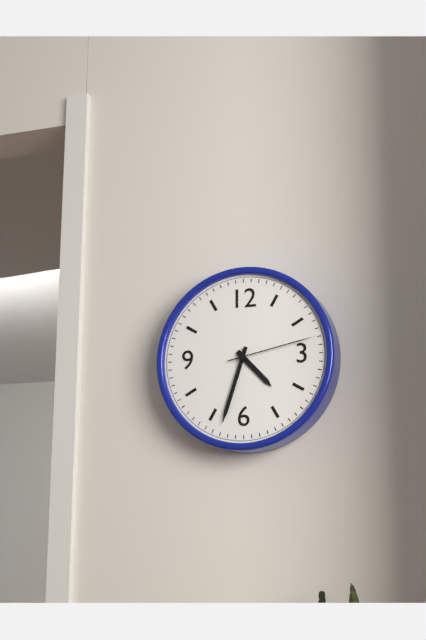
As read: h=4 m=33 s=13
